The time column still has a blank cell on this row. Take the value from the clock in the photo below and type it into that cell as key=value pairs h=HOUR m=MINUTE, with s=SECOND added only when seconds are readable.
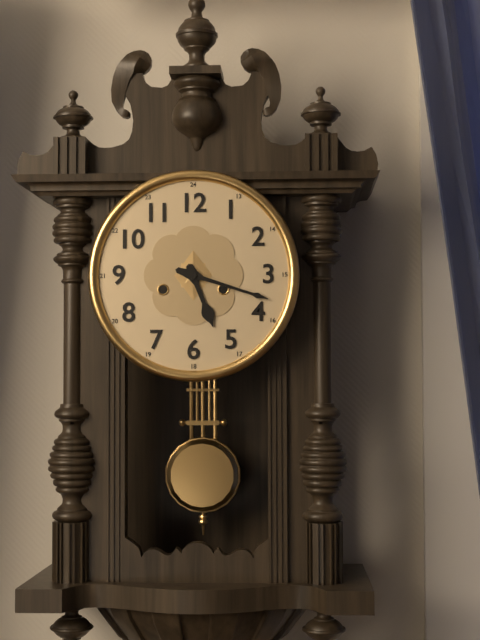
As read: h=5 m=18
